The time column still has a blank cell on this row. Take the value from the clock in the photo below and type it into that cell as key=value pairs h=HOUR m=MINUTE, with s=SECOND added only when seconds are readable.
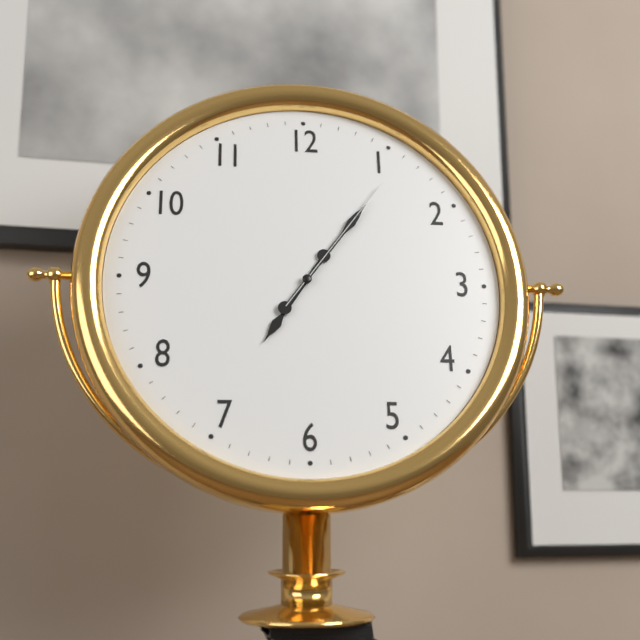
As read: h=7 m=6 s=6
